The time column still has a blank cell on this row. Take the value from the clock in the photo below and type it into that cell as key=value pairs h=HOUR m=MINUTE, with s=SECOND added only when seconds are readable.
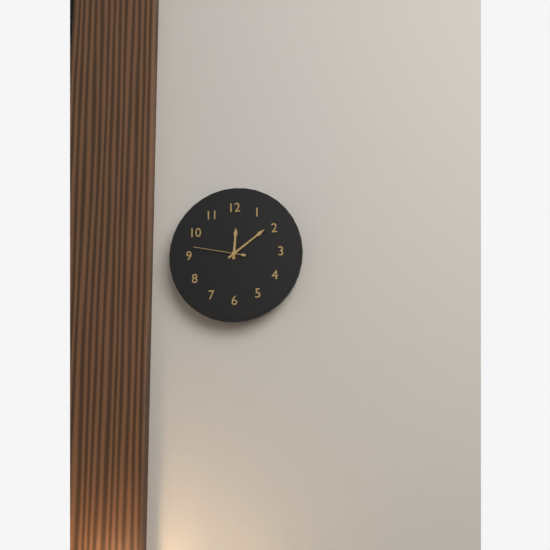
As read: h=12 m=9 s=47
